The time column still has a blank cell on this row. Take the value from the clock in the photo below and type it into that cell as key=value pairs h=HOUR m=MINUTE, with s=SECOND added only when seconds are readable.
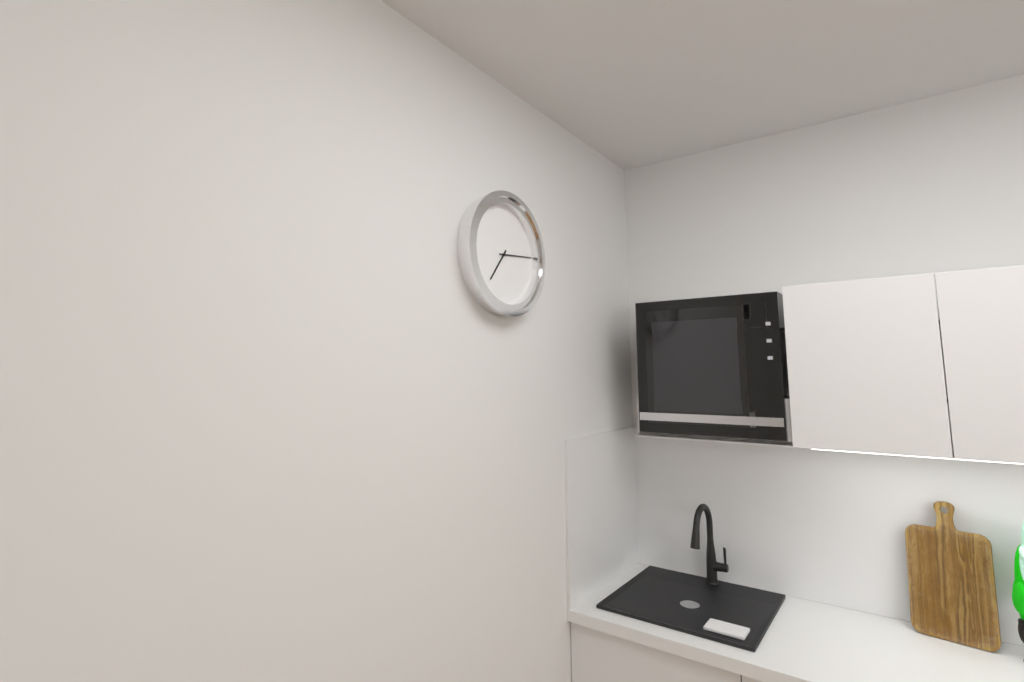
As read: h=7 m=14
